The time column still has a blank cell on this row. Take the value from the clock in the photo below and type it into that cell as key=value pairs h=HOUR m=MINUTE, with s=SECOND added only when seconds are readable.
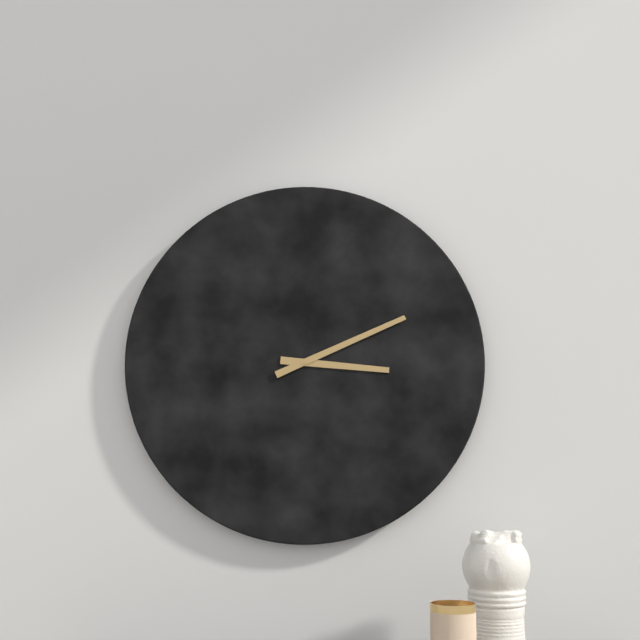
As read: h=3 m=11
